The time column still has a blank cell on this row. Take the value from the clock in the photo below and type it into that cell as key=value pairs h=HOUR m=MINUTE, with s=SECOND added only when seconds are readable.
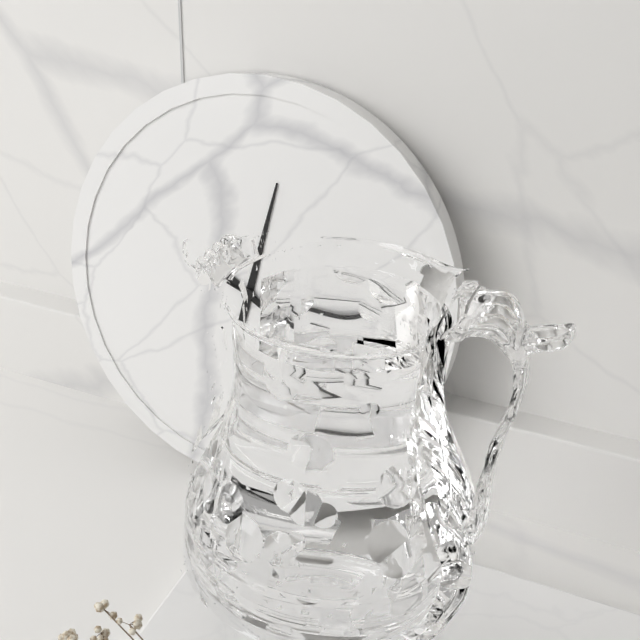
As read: h=12 m=20 s=18
